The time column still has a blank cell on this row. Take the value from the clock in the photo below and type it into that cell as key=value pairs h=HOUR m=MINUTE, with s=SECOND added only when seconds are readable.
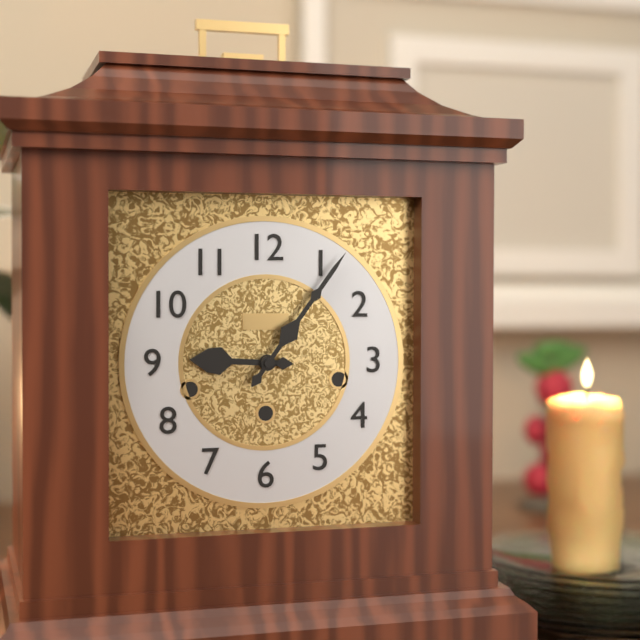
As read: h=9 m=6
